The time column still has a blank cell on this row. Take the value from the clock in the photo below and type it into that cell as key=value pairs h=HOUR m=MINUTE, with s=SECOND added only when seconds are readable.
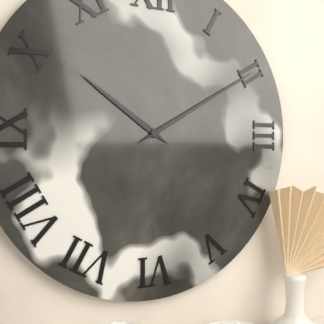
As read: h=10 m=10
